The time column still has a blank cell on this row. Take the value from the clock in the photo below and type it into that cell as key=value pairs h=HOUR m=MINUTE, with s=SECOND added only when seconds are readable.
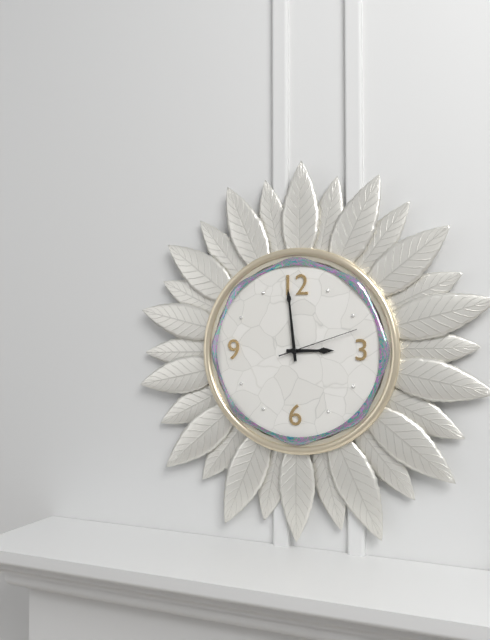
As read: h=2 m=59 s=12
